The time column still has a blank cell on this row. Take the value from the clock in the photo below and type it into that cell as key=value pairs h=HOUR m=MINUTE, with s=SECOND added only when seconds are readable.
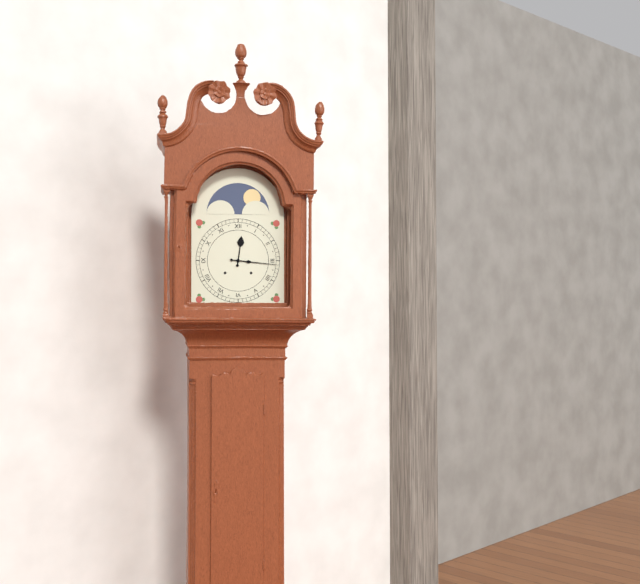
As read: h=12 m=16
